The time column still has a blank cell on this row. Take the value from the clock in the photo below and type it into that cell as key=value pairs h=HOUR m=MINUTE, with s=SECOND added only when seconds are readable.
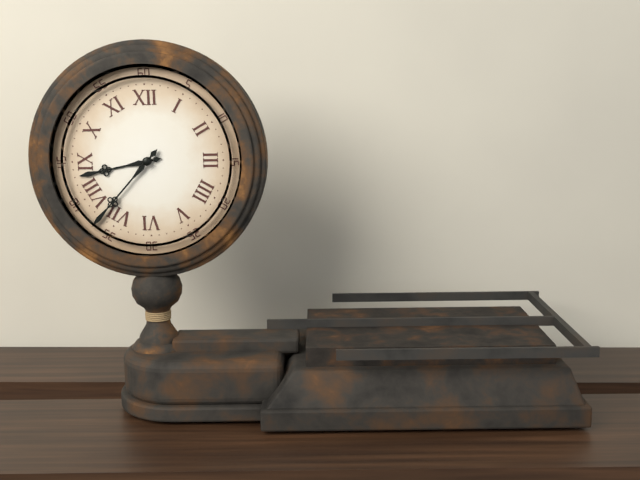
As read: h=8 m=37
